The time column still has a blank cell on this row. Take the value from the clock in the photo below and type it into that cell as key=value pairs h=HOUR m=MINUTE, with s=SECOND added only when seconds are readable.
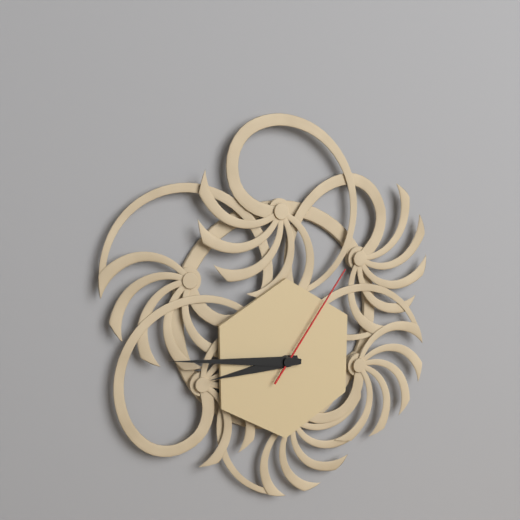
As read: h=8 m=46 s=6
